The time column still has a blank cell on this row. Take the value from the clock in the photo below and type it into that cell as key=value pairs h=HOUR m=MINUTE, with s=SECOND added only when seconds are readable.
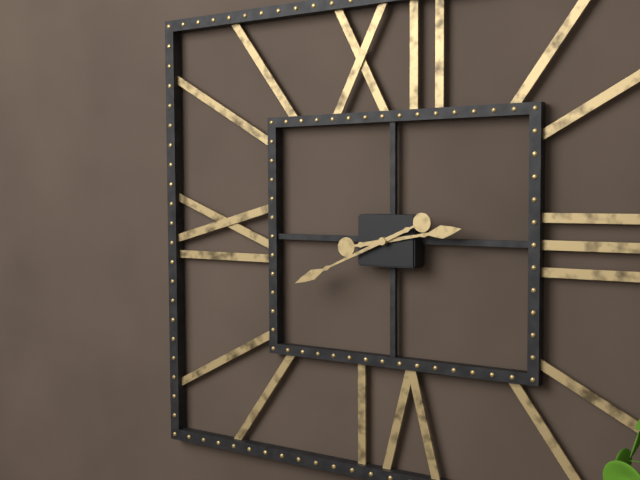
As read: h=2 m=41
